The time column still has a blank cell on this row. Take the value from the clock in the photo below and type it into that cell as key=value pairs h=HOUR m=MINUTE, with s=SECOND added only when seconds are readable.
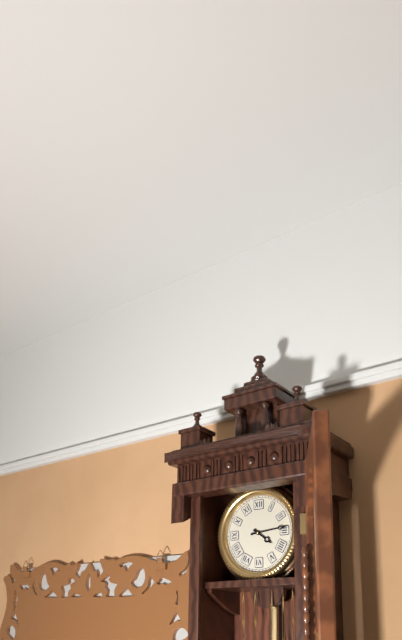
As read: h=4 m=14
